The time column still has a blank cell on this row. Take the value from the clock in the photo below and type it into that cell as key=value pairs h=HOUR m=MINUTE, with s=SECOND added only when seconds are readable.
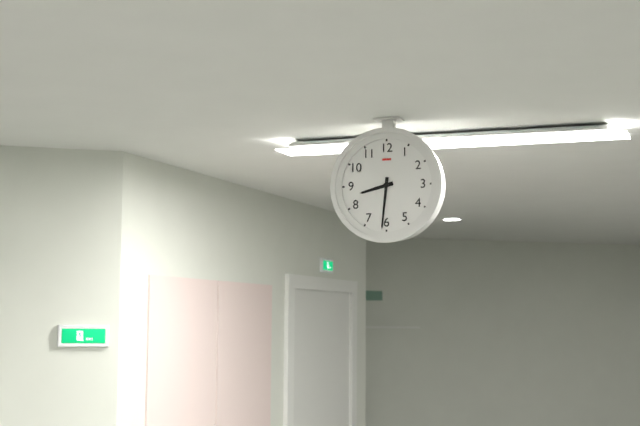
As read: h=8 m=31
